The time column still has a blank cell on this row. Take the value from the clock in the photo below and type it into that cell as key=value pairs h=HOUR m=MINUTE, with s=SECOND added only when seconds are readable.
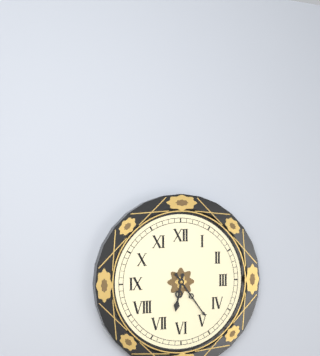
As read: h=6 m=24
